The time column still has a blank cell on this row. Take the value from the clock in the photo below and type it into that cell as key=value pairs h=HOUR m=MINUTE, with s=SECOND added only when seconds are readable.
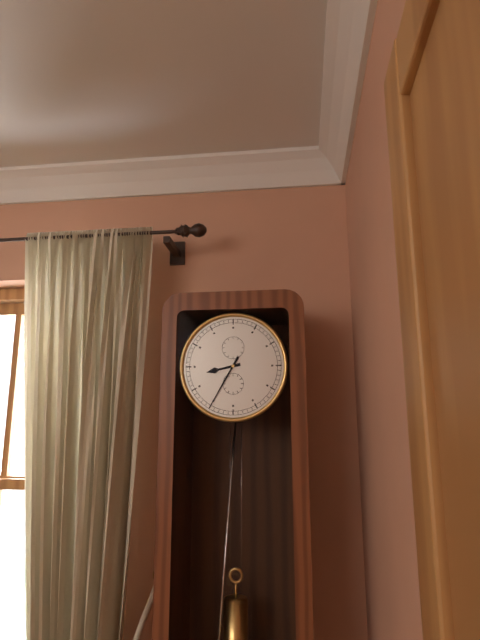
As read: h=8 m=35
